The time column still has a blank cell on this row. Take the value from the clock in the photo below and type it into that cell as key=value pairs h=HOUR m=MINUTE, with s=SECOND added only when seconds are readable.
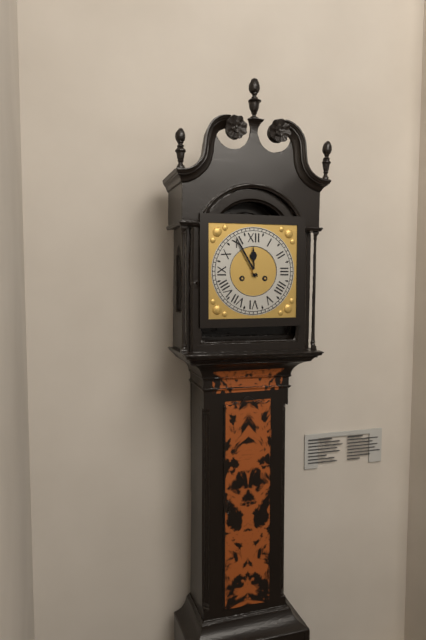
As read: h=11 m=55
